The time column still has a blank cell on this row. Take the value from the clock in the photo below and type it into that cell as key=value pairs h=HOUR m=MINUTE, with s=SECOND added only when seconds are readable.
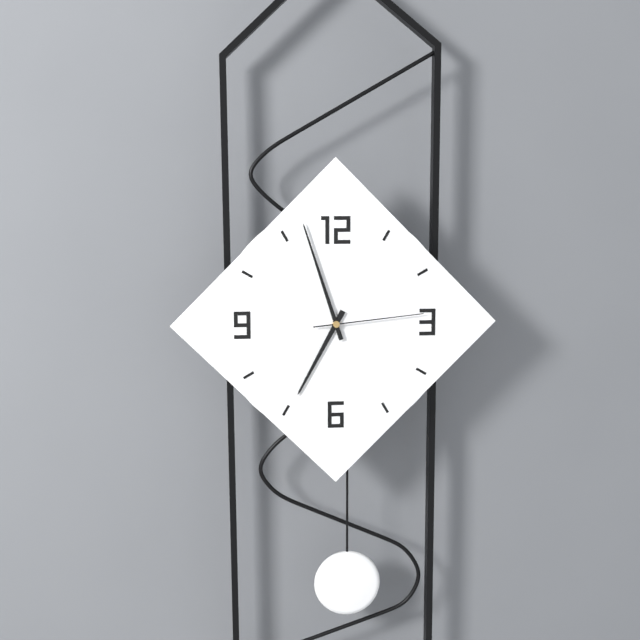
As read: h=6 m=57 s=14
